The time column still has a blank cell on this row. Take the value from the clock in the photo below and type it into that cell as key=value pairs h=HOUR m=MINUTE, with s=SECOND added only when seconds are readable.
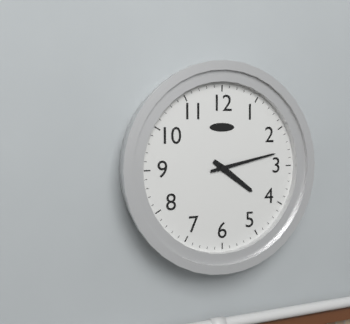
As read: h=4 m=13
